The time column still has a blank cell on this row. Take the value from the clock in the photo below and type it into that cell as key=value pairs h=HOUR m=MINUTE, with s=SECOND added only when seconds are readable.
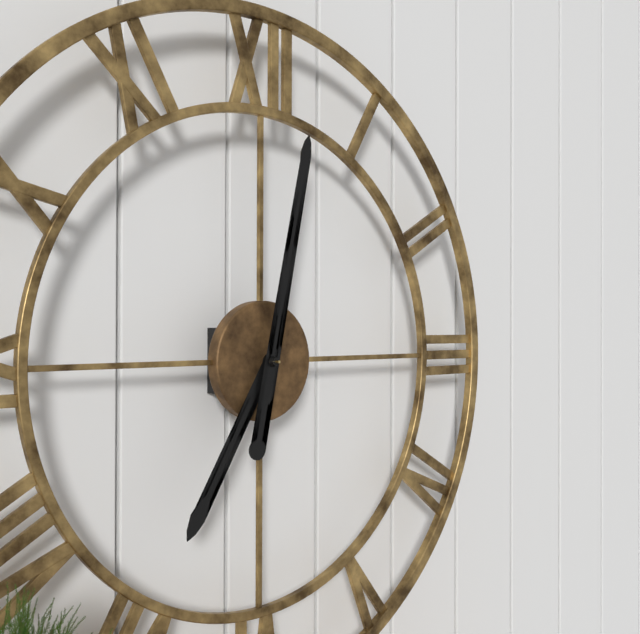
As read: h=7 m=2
